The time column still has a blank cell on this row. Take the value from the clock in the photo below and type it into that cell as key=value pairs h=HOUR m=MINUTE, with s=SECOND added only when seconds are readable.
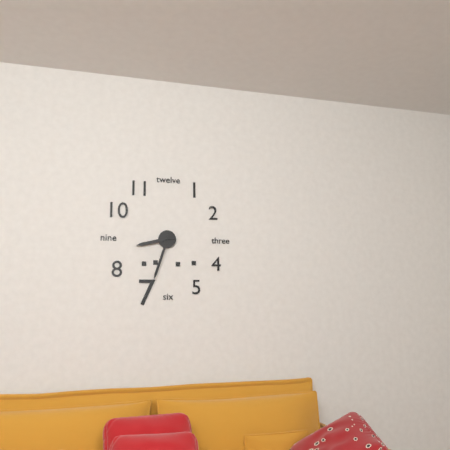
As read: h=8 m=33
